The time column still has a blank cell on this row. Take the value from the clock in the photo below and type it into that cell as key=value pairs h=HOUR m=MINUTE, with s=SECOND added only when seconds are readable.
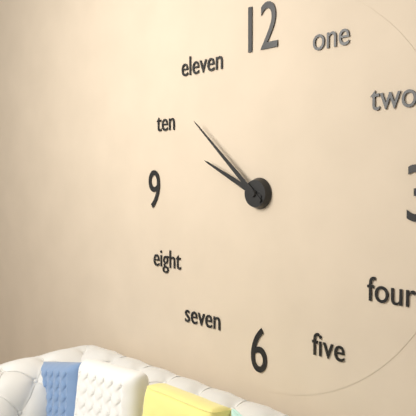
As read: h=9 m=52
